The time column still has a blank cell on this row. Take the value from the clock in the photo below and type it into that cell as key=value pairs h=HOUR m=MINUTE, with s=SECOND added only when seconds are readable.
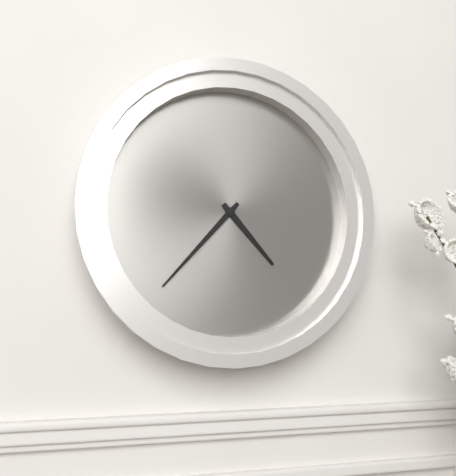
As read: h=4 m=37
